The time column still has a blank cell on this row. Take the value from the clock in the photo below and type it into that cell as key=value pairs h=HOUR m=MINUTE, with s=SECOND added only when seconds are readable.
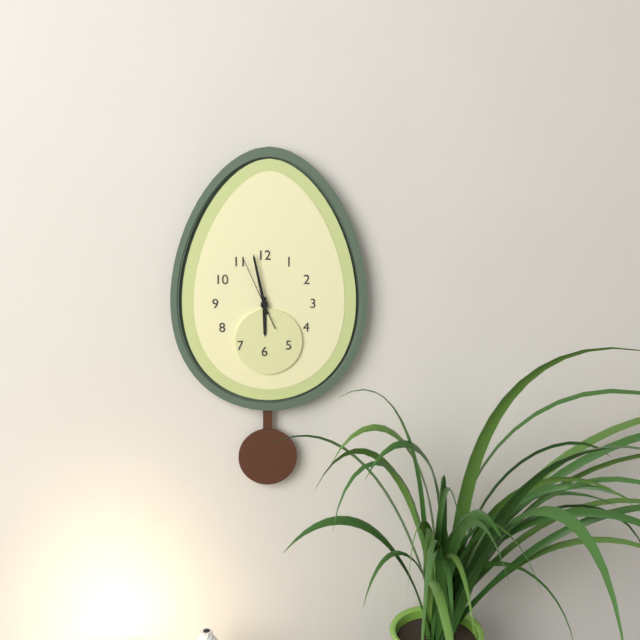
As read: h=5 m=58 s=56
